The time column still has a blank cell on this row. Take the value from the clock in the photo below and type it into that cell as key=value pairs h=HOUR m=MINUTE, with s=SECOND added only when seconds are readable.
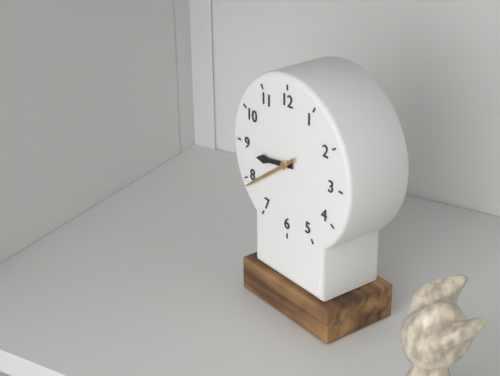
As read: h=8 m=39
